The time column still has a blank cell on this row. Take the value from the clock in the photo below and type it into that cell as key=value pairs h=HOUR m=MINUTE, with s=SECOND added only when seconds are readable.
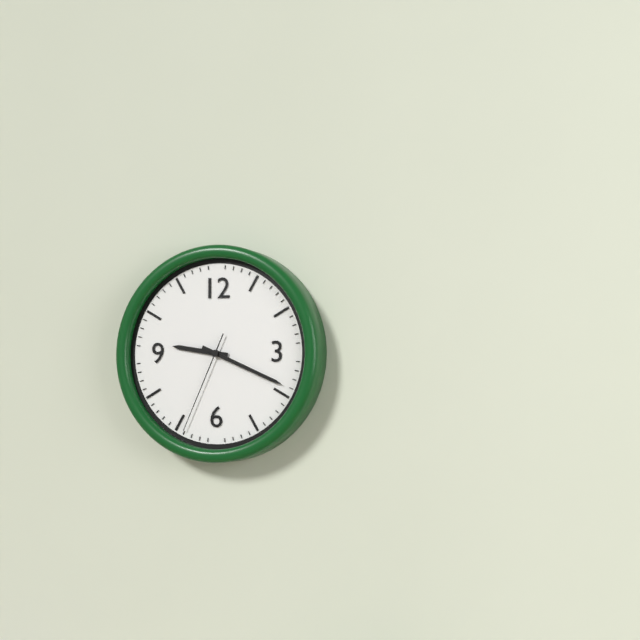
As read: h=9 m=19 s=34
